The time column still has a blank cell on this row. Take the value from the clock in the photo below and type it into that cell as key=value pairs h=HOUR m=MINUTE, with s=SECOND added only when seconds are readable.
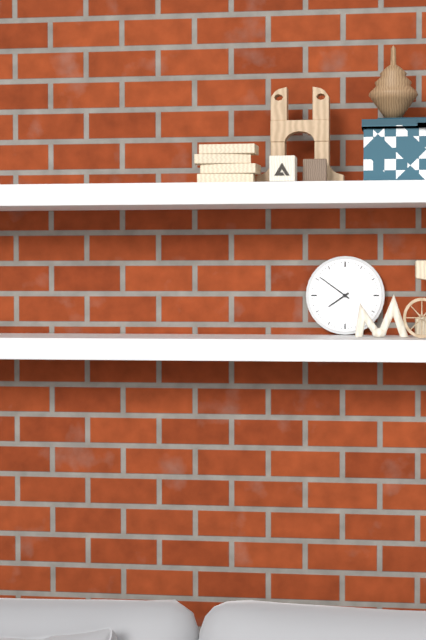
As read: h=7 m=51
